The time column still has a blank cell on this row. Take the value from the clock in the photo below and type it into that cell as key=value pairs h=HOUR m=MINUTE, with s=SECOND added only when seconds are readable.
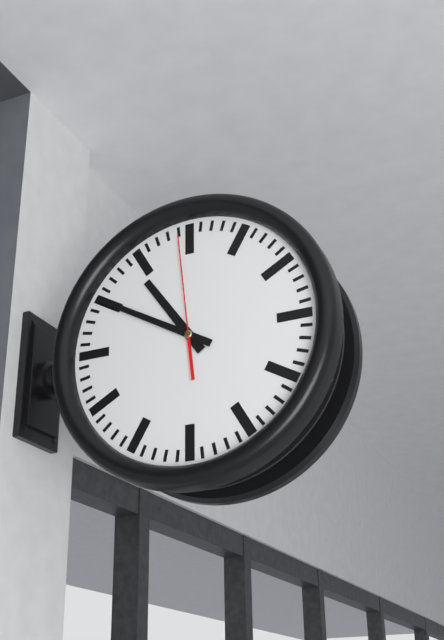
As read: h=10 m=50 s=59
